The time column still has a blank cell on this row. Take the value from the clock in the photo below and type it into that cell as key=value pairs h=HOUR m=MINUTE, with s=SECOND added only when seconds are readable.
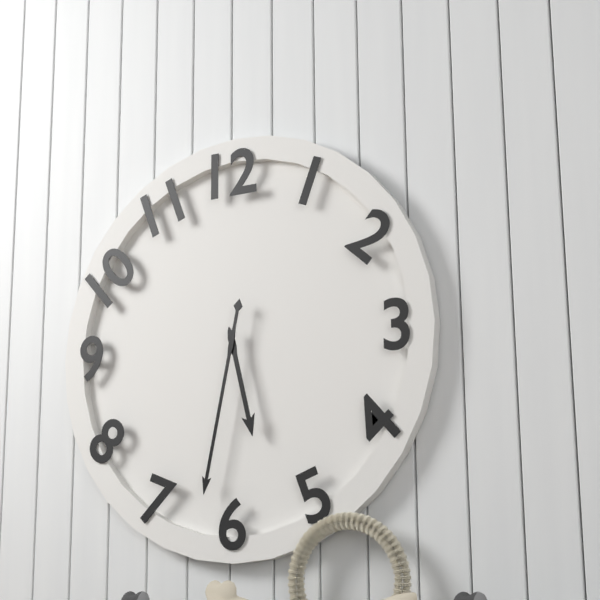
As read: h=5 m=32
